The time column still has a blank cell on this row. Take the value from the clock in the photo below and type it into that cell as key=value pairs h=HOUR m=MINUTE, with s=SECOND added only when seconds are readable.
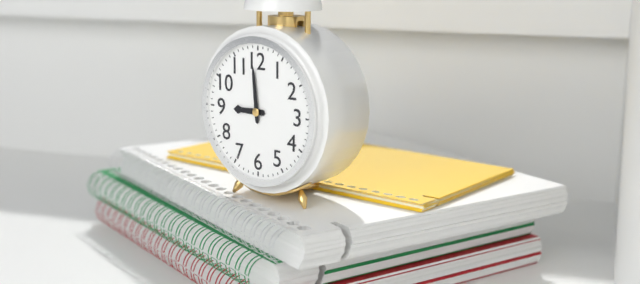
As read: h=8 m=59
